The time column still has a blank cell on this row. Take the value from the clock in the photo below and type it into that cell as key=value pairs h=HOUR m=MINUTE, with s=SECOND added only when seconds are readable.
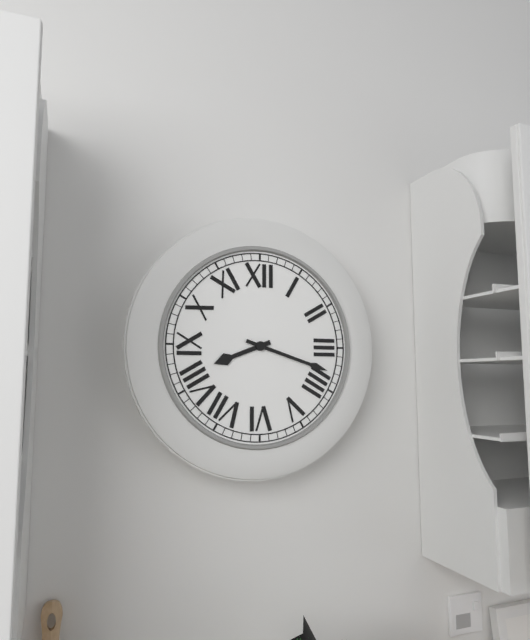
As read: h=8 m=18
